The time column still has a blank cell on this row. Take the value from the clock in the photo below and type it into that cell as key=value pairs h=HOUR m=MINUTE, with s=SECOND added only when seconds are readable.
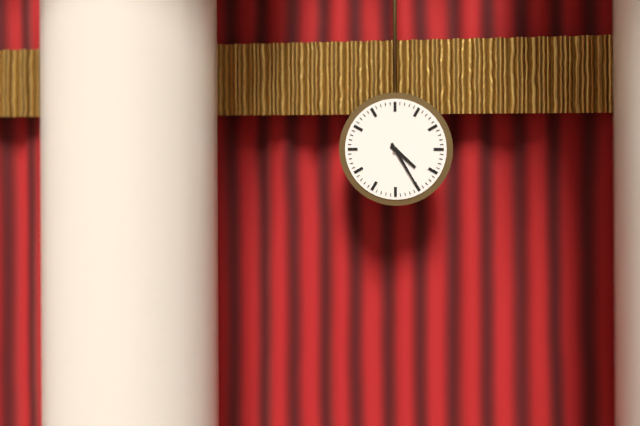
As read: h=4 m=25
